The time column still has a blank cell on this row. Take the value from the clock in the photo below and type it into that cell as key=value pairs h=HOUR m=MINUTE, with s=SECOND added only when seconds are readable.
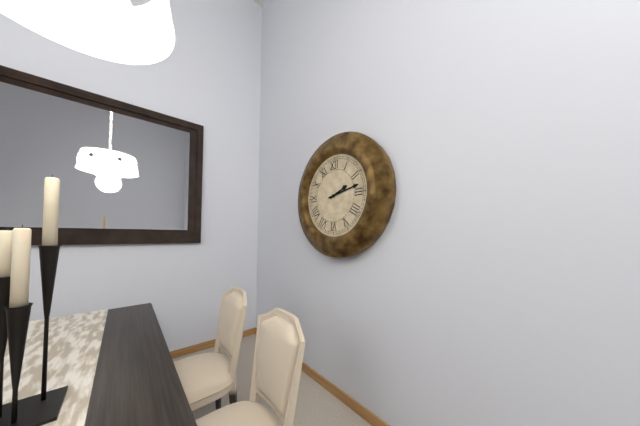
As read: h=2 m=13
